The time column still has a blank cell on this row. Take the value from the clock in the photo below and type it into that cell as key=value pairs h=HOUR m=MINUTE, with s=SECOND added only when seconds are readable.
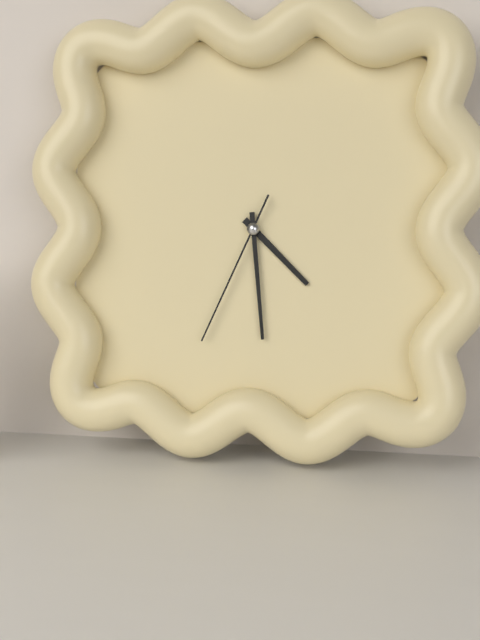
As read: h=4 m=29 s=34
